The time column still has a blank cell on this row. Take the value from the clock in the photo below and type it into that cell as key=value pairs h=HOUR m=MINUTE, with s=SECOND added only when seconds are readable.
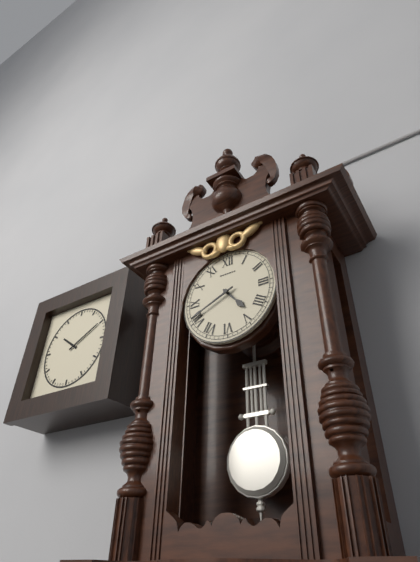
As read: h=4 m=41
